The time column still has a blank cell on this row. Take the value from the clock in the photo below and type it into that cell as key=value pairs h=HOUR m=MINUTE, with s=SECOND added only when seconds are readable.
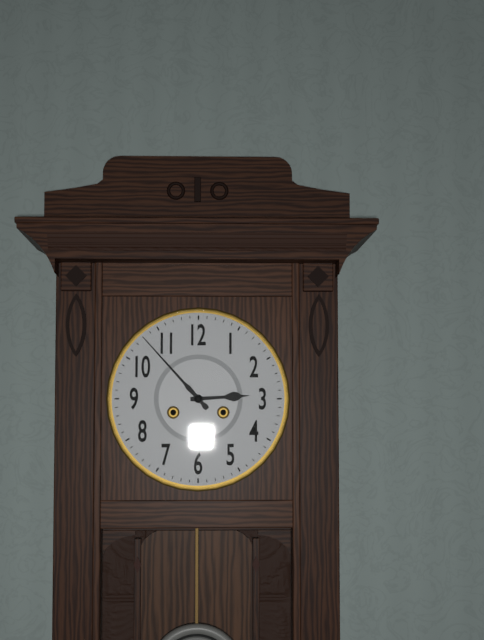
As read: h=2 m=53
